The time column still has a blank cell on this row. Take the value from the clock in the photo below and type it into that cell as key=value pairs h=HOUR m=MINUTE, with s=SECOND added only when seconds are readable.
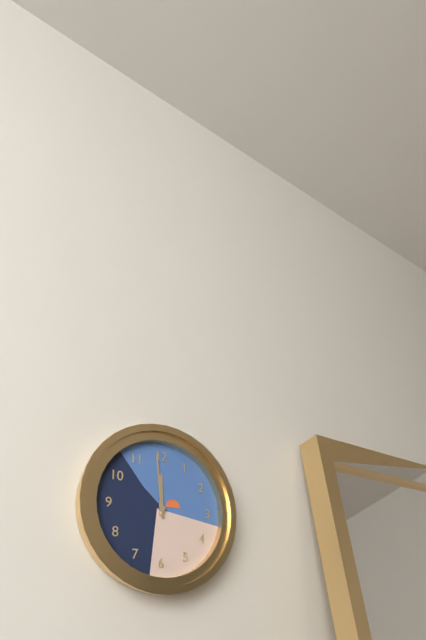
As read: h=11 m=59
